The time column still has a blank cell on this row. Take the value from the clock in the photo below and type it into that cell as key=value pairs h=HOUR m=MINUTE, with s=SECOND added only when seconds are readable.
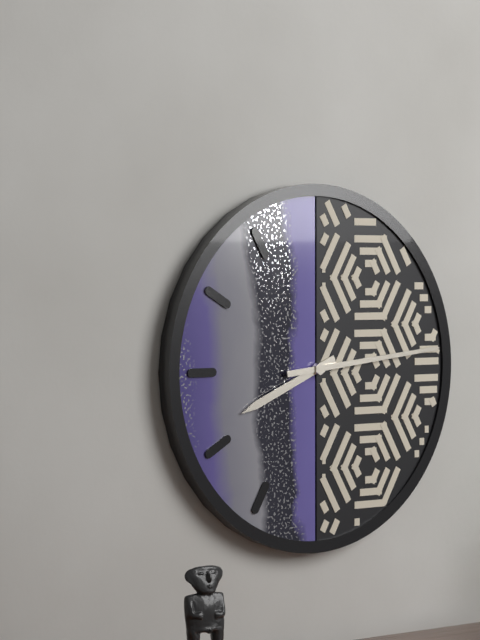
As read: h=8 m=14
